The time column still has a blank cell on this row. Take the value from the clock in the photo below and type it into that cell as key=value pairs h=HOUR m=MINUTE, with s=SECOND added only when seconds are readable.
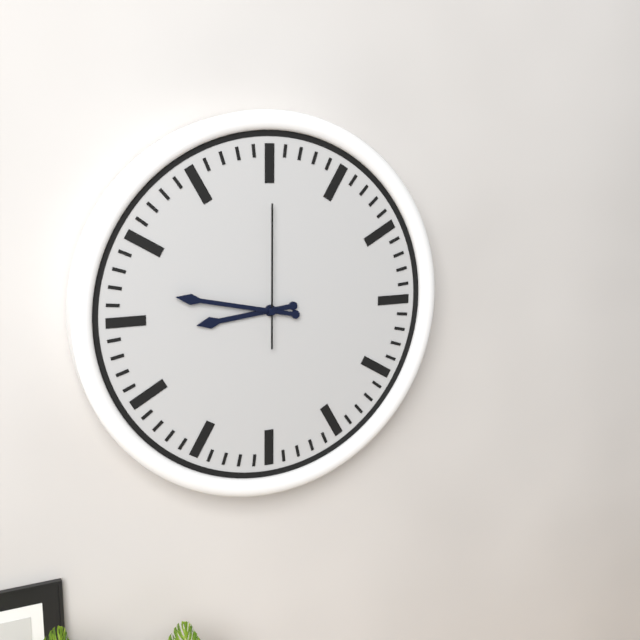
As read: h=8 m=47 s=0
